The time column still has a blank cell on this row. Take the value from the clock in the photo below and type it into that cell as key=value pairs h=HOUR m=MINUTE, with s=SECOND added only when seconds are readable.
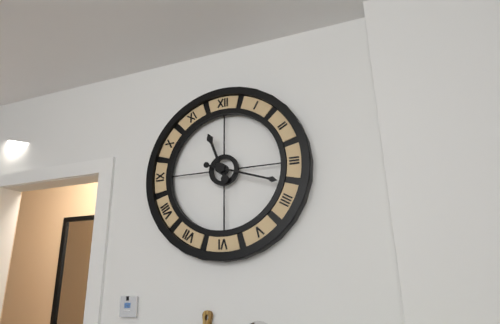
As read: h=11 m=18
